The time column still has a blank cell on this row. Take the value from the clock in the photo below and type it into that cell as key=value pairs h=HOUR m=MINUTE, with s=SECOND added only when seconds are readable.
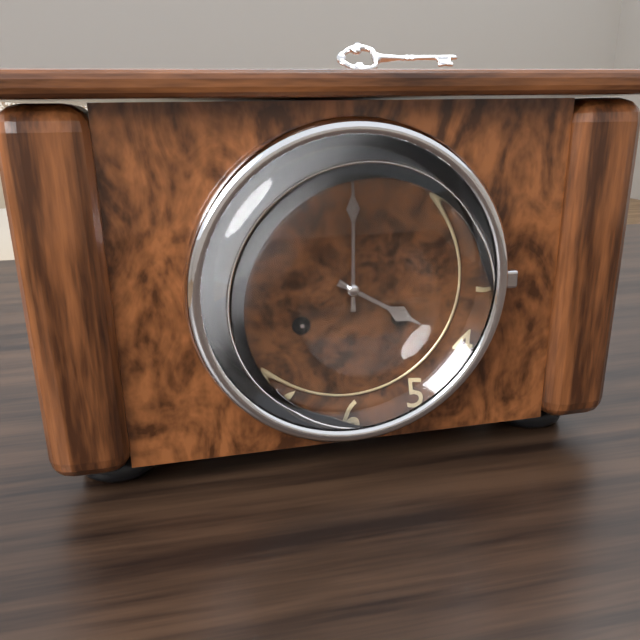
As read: h=4 m=0
